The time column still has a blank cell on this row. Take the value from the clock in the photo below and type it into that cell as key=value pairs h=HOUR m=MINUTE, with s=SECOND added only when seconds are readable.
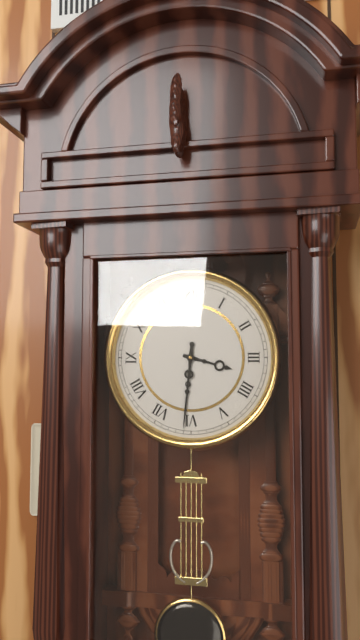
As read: h=3 m=31
